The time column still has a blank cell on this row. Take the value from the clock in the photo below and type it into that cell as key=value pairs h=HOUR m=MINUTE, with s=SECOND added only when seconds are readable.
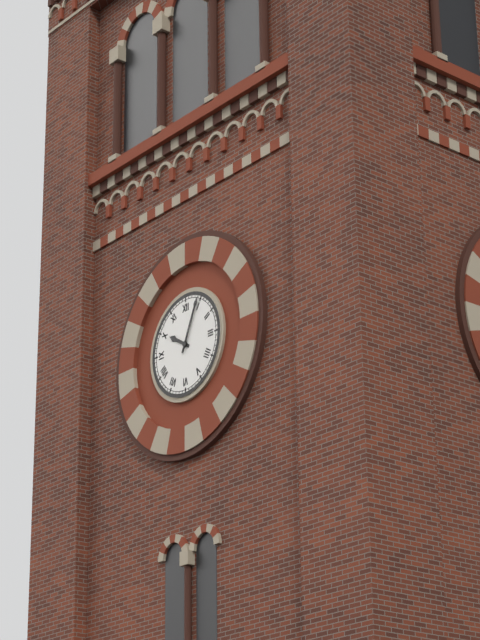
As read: h=10 m=4
